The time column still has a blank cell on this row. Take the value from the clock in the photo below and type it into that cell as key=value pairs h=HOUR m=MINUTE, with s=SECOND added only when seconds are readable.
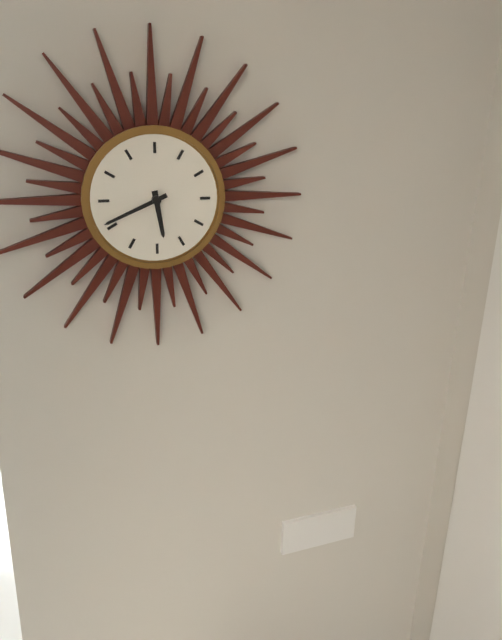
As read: h=5 m=41
